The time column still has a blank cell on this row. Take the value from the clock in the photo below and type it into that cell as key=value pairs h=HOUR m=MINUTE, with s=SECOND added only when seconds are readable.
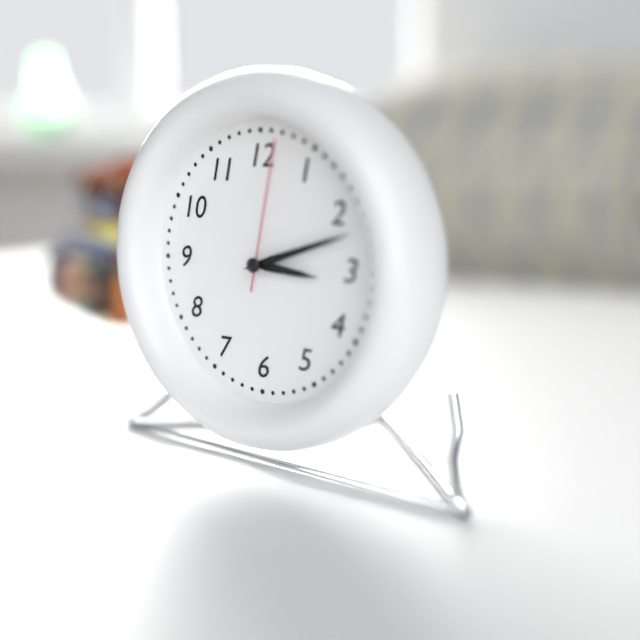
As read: h=3 m=12 s=2
